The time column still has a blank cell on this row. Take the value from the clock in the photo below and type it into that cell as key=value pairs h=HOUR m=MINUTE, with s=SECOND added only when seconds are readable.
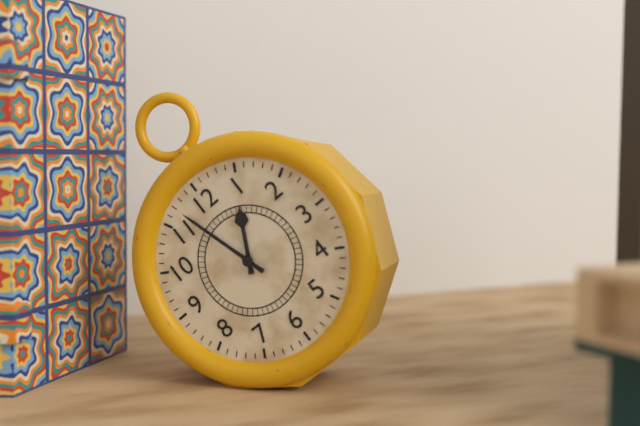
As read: h=12 m=57
